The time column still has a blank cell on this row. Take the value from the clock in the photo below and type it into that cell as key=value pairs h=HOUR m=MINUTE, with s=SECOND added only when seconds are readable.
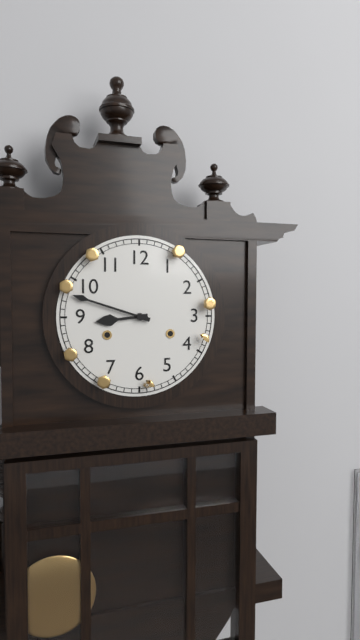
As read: h=8 m=48
